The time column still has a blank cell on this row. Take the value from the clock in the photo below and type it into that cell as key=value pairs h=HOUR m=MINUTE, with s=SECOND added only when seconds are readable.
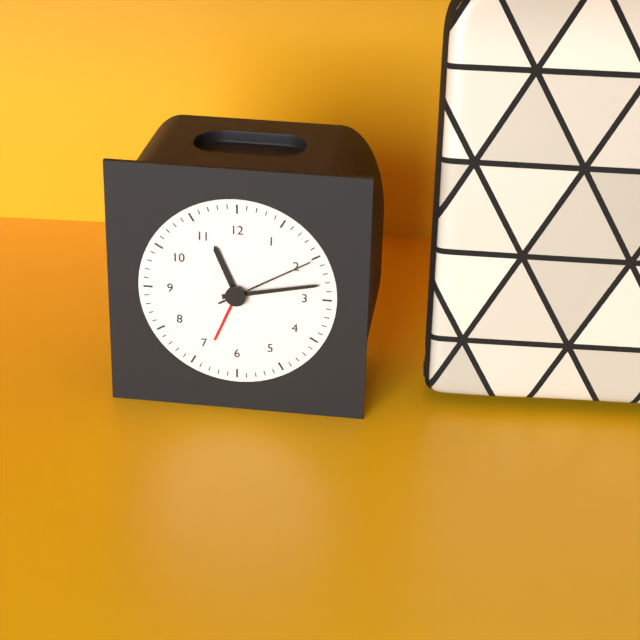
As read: h=11 m=13 s=10
